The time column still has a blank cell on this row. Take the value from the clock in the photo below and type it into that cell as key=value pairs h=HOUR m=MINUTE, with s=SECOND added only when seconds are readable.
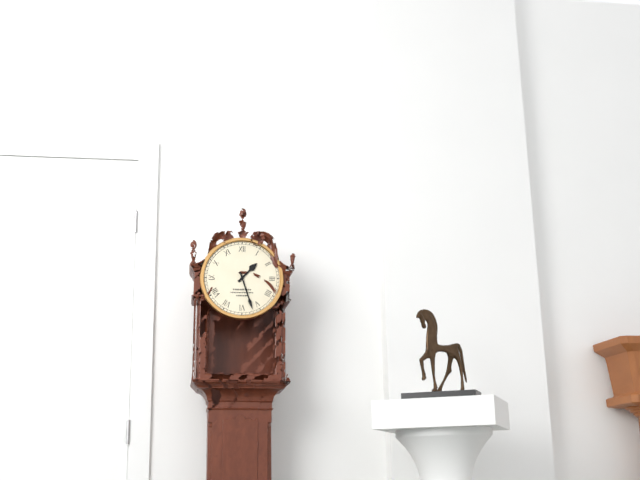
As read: h=1 m=27
